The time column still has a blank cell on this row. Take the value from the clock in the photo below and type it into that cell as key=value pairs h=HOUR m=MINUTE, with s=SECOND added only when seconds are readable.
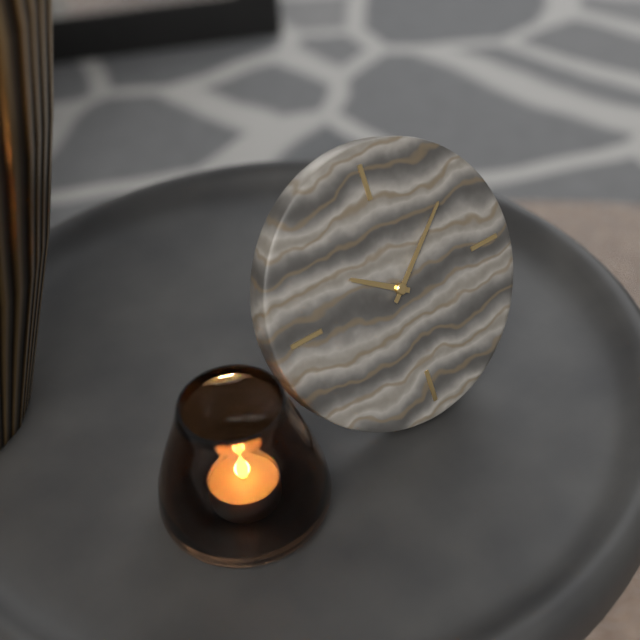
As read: h=10 m=8
